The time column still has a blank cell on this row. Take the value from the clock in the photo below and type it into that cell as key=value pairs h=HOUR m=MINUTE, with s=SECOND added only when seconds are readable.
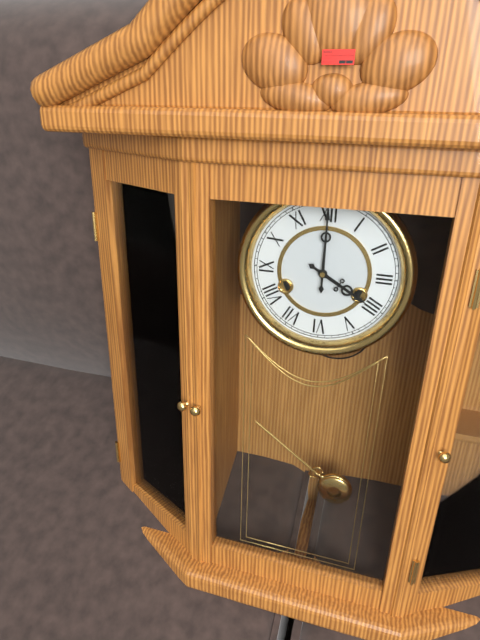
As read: h=4 m=0
